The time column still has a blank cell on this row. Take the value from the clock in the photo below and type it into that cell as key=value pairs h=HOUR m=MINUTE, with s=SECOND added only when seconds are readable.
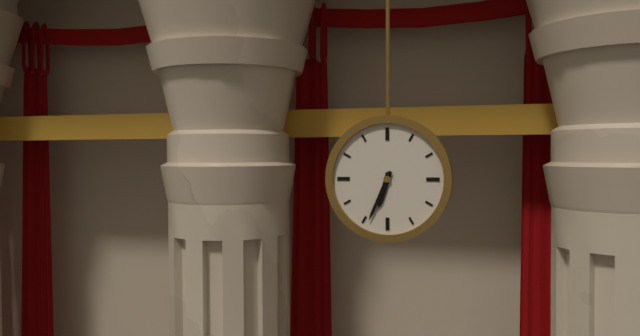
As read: h=6 m=34
